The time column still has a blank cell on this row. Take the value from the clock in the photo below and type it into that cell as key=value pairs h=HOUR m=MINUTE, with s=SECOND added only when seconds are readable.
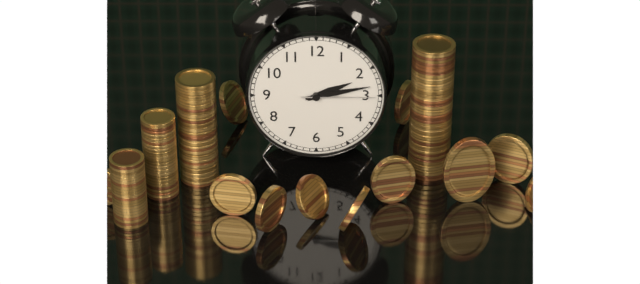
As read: h=2 m=13 s=15
